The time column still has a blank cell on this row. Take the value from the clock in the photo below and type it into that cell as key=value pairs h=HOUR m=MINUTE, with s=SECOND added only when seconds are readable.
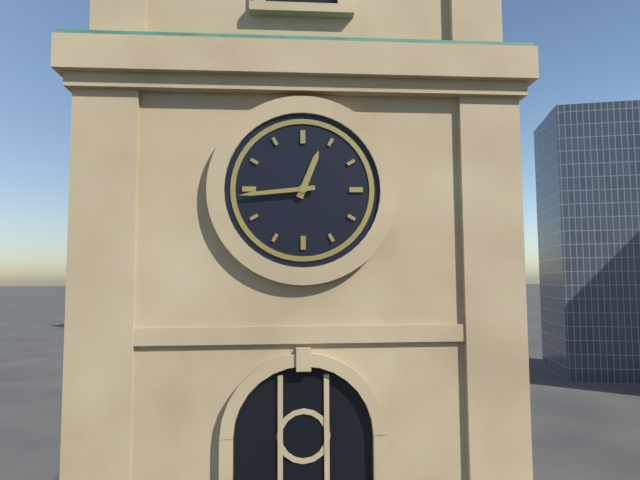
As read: h=12 m=44
